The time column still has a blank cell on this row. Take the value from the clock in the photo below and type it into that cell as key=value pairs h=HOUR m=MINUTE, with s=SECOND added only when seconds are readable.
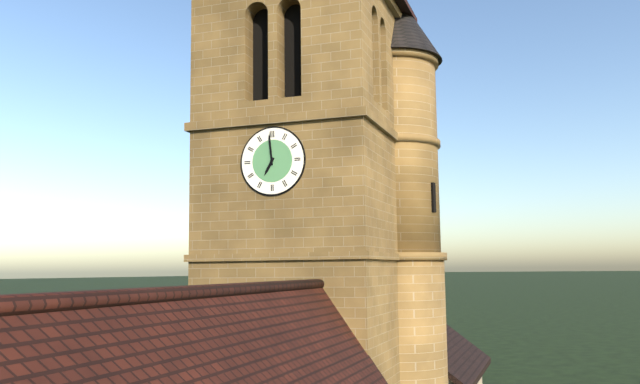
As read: h=6 m=59
